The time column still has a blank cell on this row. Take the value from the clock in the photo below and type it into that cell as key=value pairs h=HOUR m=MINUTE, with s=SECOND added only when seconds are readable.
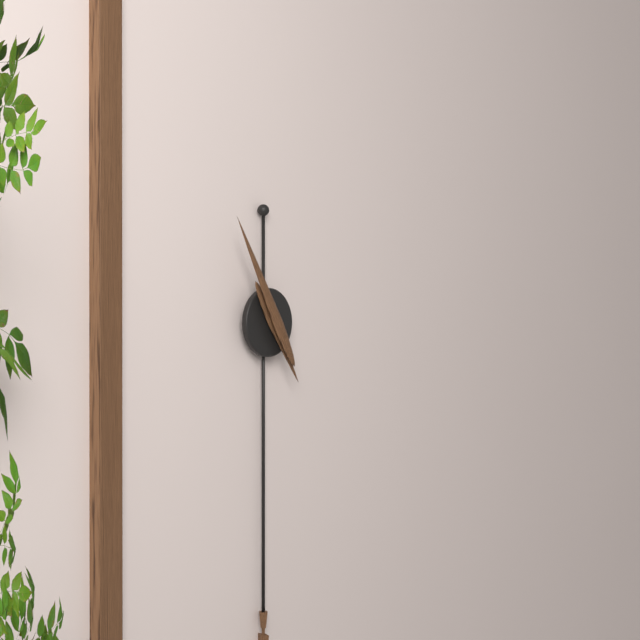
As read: h=4 m=55
